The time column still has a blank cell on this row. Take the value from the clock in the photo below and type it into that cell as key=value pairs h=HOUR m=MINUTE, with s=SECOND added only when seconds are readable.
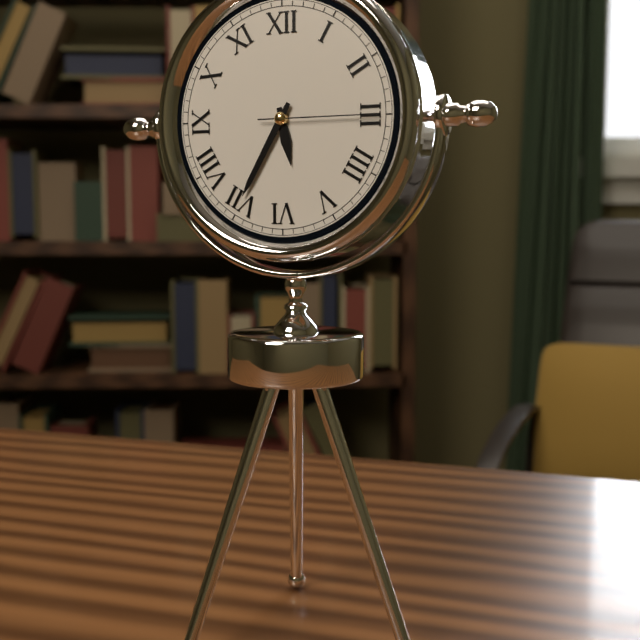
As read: h=5 m=35 s=15
